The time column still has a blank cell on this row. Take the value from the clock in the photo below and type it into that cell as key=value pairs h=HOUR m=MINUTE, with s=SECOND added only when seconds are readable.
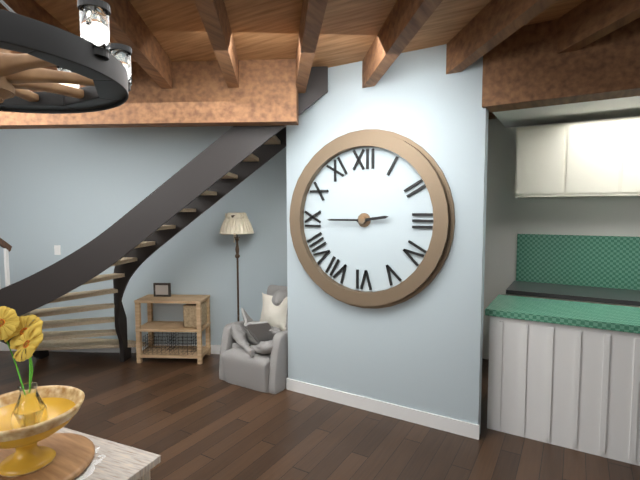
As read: h=2 m=45
